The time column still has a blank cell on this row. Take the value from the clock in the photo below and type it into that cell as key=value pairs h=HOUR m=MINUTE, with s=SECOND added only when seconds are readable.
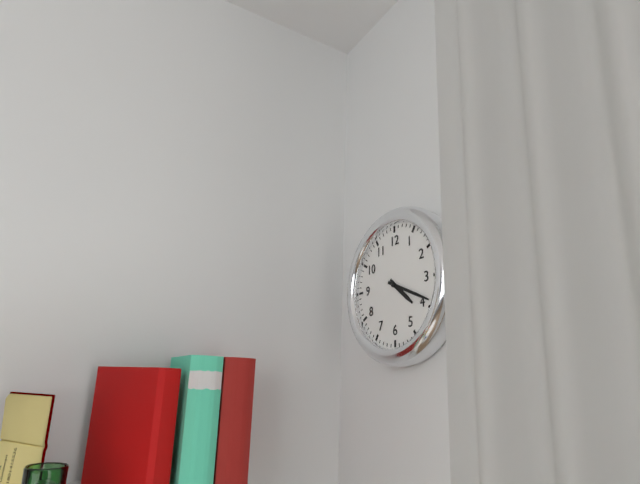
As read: h=4 m=19
